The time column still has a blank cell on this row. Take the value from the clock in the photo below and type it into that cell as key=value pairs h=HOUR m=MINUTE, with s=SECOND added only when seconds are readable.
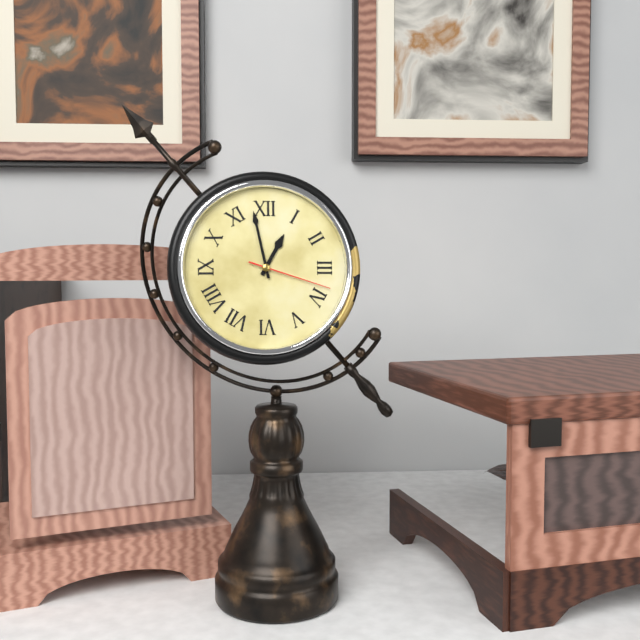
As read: h=12 m=58 s=18
